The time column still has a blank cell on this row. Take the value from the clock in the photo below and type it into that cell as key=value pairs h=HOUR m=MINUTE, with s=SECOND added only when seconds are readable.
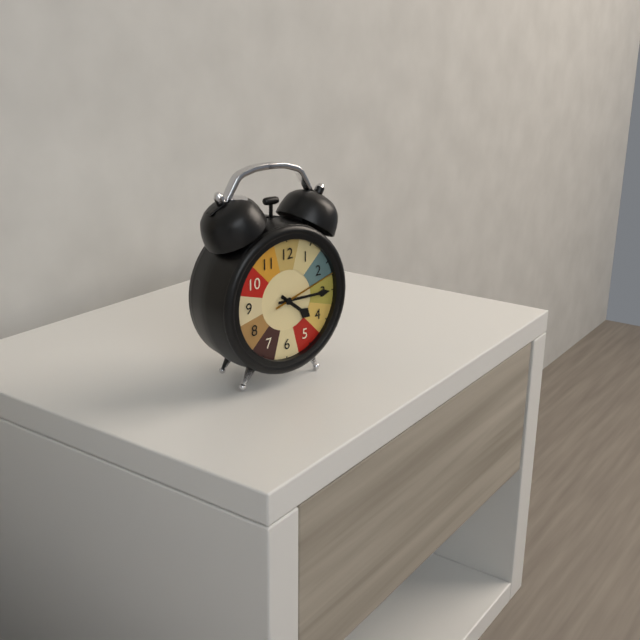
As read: h=4 m=15 s=12
